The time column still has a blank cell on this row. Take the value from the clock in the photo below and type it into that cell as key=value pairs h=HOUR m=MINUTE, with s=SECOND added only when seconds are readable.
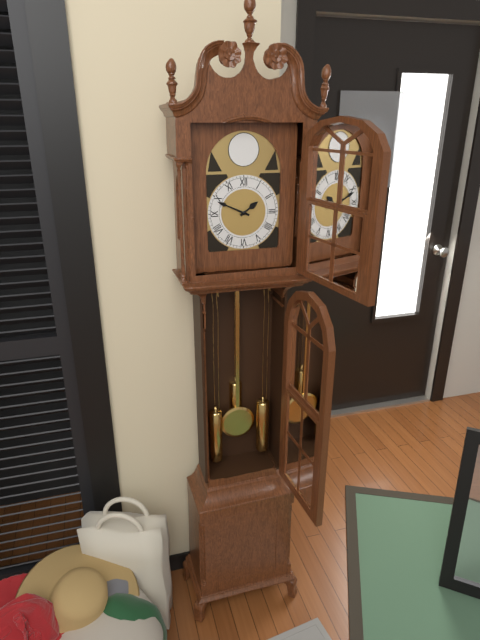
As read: h=1 m=49
